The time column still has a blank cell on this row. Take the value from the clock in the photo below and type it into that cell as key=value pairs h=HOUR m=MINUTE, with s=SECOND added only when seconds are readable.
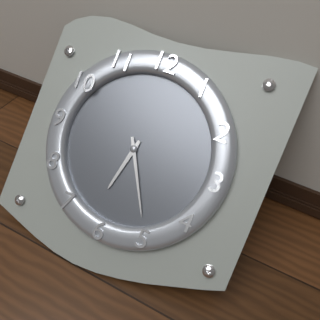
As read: h=6 m=25
